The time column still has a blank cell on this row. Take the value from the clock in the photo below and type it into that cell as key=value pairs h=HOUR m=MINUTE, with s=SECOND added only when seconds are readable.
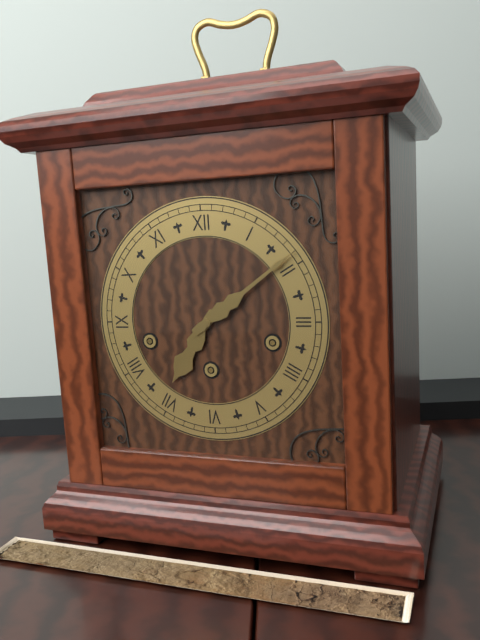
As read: h=7 m=9
